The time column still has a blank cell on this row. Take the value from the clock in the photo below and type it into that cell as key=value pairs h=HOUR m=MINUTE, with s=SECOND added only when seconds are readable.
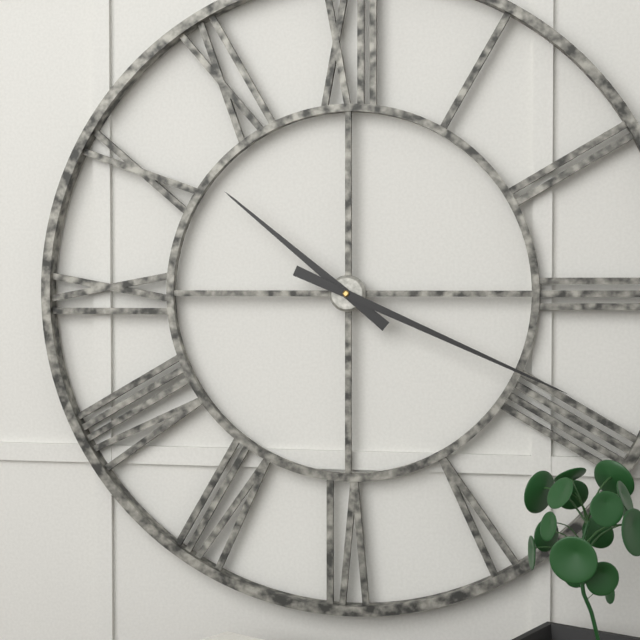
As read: h=10 m=19
